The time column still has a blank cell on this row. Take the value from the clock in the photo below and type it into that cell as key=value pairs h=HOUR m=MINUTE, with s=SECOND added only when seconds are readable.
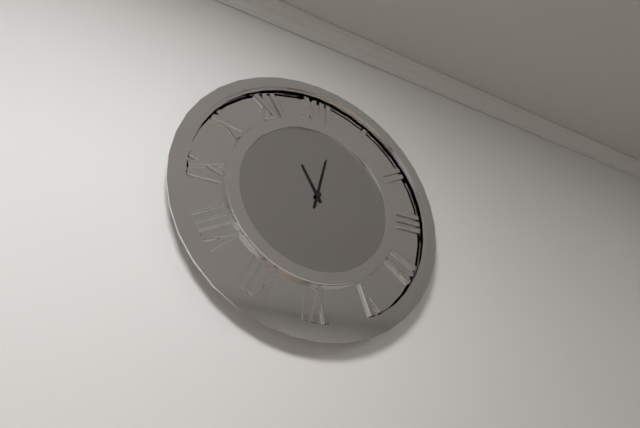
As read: h=11 m=2
